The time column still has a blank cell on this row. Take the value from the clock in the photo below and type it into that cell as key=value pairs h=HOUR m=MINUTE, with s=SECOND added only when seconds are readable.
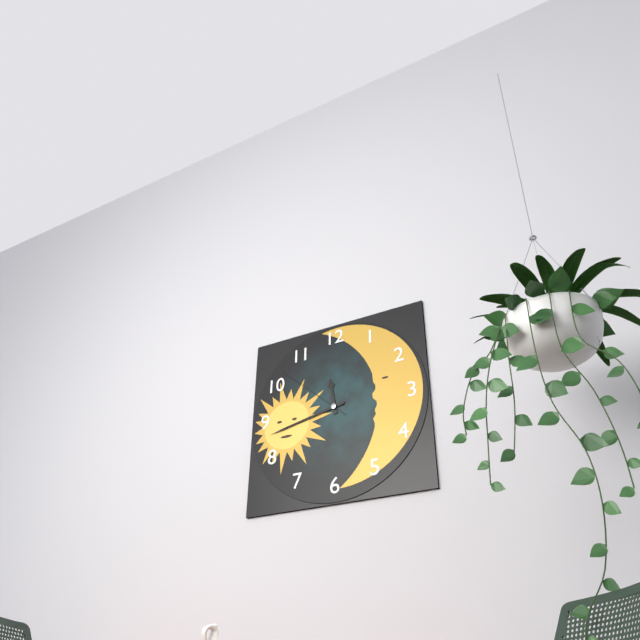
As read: h=11 m=43 s=52
